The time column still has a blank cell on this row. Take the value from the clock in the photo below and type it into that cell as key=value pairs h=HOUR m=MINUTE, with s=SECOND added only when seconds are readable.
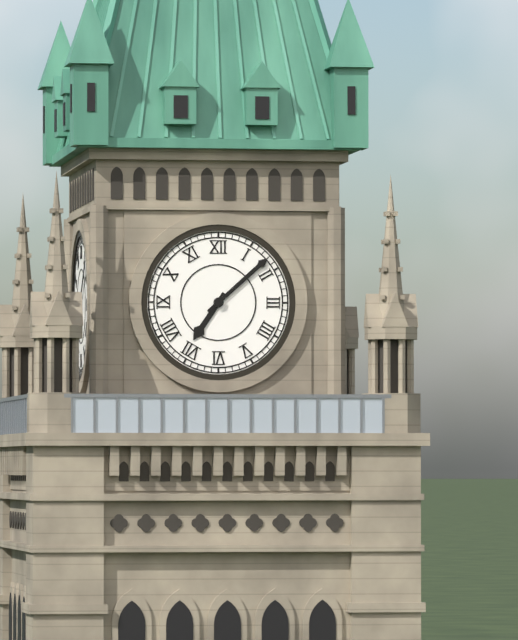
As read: h=7 m=8
